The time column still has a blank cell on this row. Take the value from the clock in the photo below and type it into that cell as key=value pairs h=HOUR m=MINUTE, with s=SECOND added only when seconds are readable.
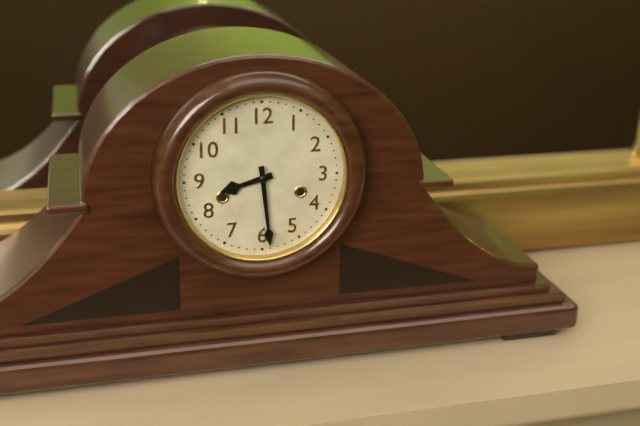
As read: h=8 m=29
